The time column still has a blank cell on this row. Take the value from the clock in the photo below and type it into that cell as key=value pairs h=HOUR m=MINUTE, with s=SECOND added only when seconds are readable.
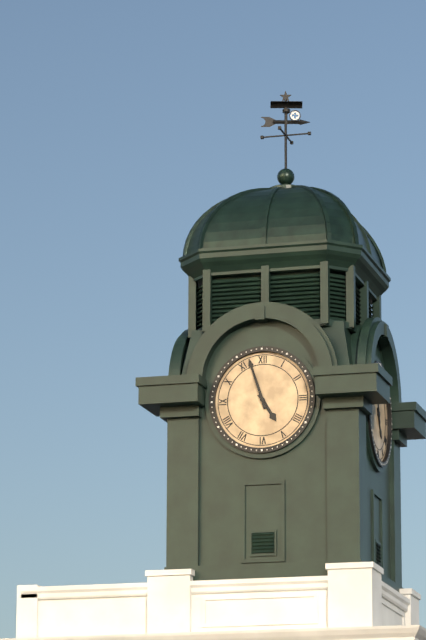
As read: h=4 m=57
